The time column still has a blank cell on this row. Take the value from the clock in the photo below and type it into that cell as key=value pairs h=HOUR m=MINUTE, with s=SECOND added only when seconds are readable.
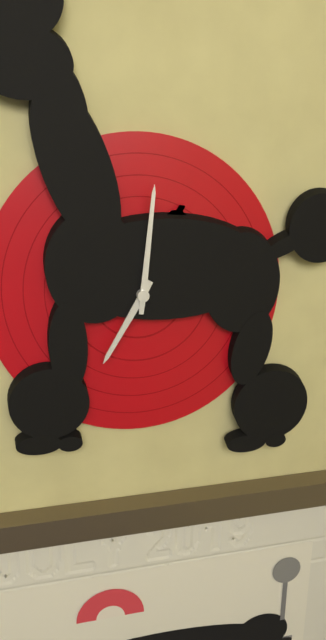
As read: h=7 m=1
